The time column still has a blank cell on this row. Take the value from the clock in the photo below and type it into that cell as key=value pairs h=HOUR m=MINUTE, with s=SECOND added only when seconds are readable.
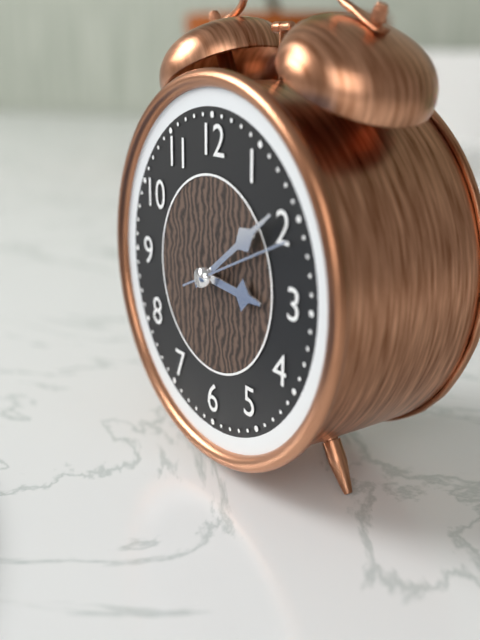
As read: h=3 m=9 s=11
